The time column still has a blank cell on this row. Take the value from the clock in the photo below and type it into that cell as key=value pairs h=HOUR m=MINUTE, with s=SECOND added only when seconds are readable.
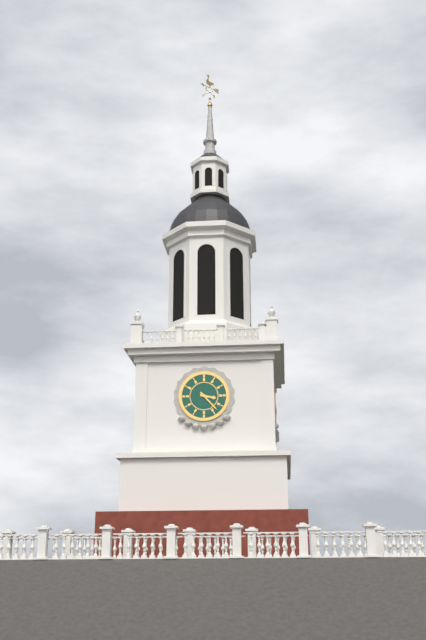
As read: h=3 m=23
